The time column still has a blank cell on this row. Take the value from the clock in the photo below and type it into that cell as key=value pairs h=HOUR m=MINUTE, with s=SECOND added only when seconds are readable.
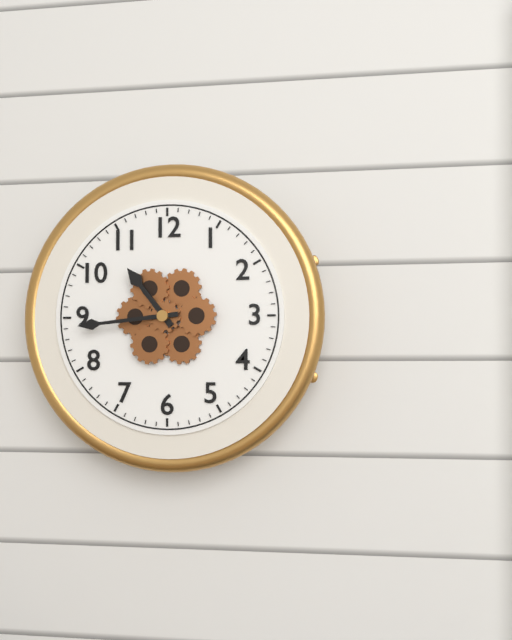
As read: h=10 m=44
